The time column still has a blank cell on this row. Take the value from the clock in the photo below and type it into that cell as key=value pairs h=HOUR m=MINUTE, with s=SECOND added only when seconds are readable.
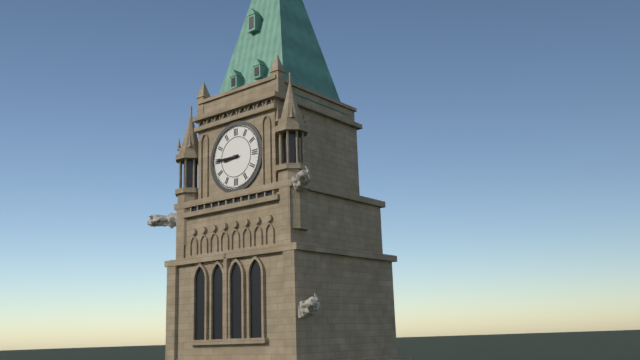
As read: h=8 m=45
